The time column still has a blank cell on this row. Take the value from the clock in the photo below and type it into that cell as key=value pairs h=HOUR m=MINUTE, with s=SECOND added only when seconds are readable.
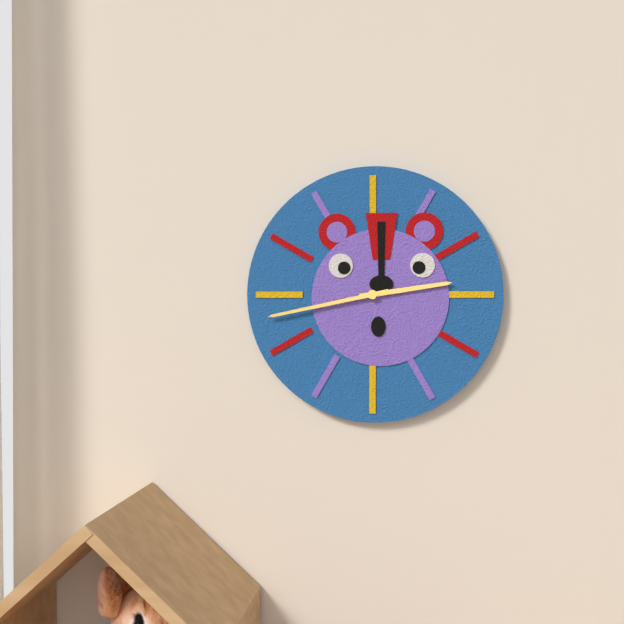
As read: h=2 m=43
